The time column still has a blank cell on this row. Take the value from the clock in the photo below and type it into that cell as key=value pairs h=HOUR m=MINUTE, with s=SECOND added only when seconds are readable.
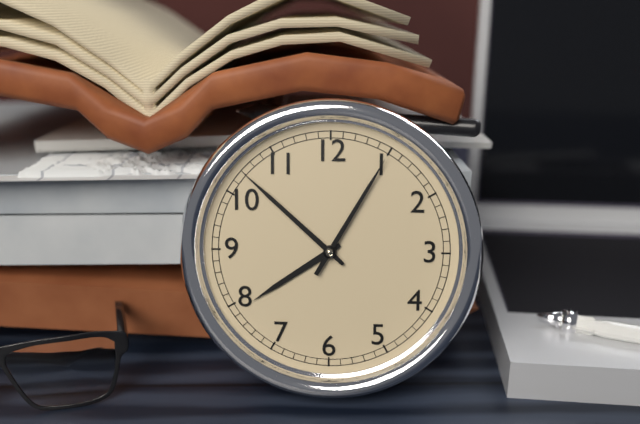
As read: h=7 m=52 s=5
